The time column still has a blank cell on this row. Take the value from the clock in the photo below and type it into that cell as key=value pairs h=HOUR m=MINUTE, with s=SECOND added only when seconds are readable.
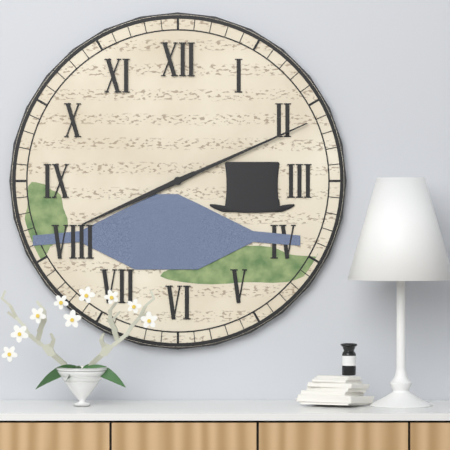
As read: h=8 m=11
